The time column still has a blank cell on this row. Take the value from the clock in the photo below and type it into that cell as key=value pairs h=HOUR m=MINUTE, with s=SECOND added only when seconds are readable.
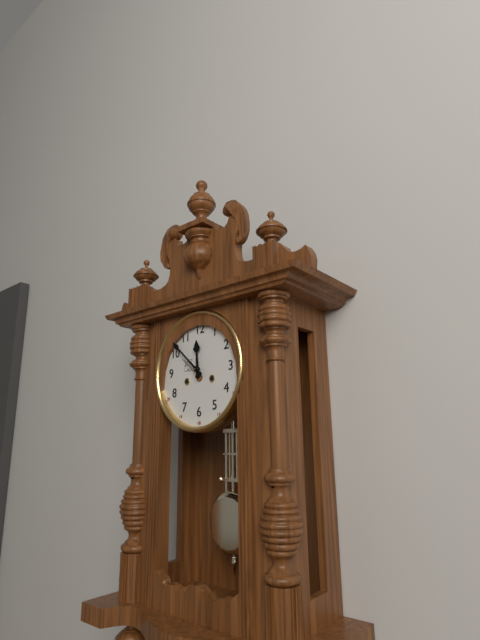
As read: h=11 m=52
